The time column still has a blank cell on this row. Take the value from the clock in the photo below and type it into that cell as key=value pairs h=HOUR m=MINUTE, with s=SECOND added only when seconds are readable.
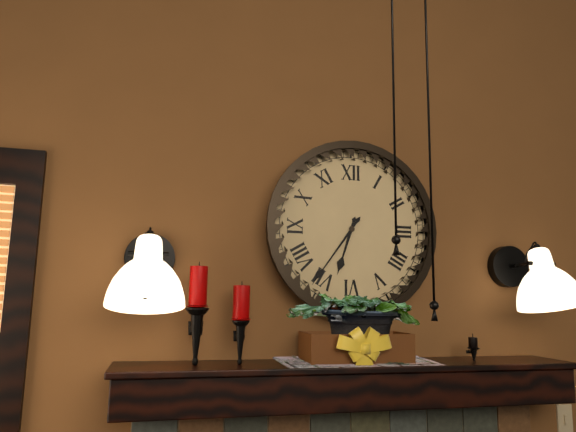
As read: h=6 m=36
